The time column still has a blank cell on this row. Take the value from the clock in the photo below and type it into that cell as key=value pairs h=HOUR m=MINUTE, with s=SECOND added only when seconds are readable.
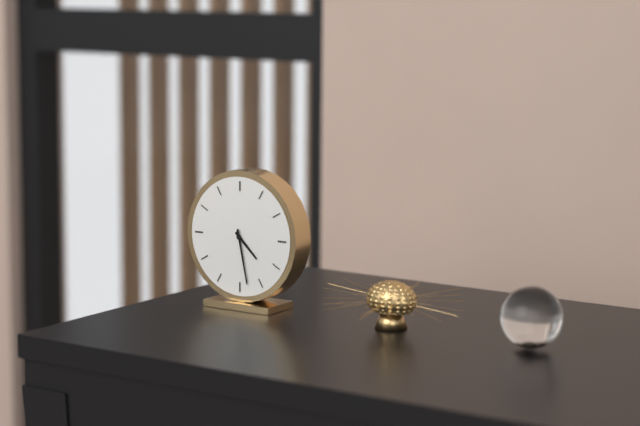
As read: h=4 m=28
